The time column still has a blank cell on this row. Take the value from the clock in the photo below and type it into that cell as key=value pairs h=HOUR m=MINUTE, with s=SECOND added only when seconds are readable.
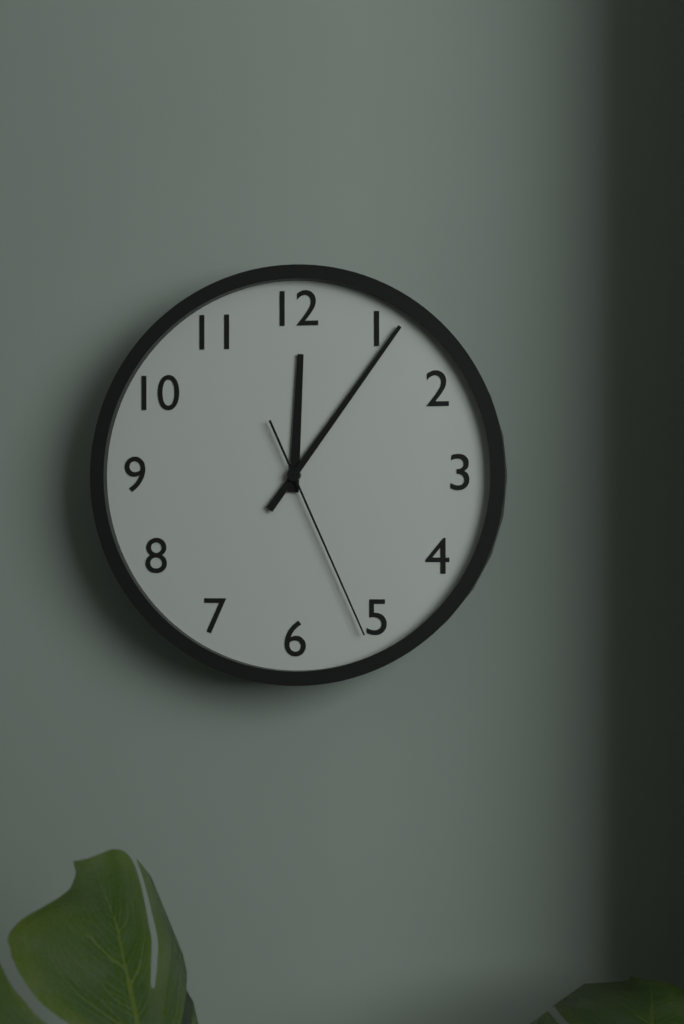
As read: h=12 m=6 s=26
